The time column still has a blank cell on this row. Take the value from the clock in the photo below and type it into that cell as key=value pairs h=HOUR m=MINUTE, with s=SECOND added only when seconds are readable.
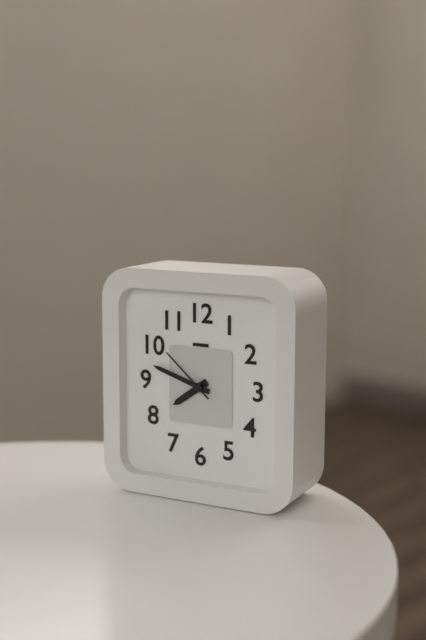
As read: h=7 m=48 s=52
